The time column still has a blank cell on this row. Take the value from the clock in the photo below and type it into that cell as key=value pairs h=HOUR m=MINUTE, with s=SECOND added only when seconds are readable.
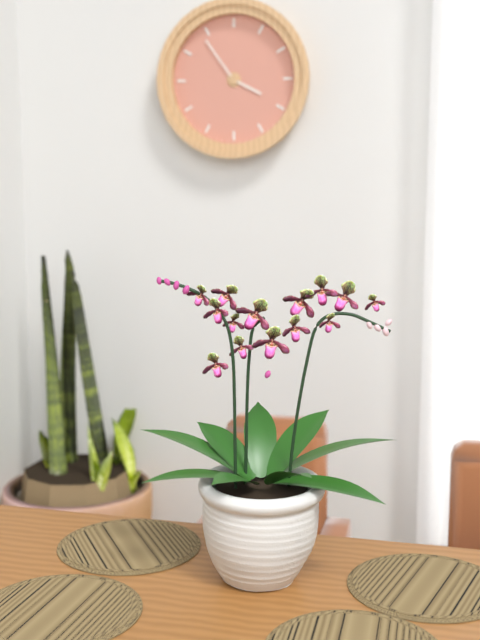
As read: h=3 m=54
